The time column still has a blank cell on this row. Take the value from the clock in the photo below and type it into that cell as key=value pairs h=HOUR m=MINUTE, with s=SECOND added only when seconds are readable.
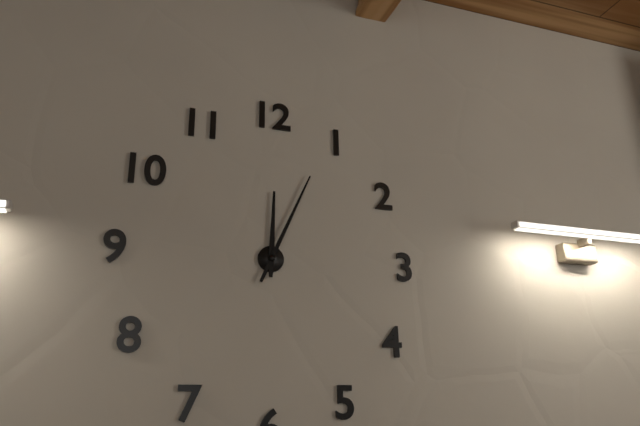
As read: h=12 m=4
